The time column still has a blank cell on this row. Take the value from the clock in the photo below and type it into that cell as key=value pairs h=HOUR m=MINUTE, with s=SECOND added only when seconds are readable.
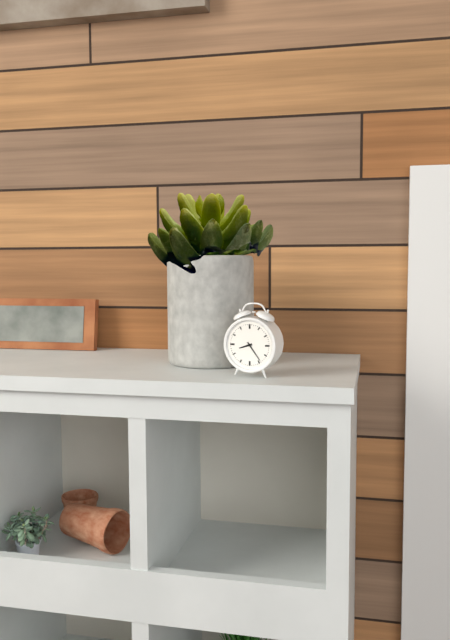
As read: h=8 m=24
